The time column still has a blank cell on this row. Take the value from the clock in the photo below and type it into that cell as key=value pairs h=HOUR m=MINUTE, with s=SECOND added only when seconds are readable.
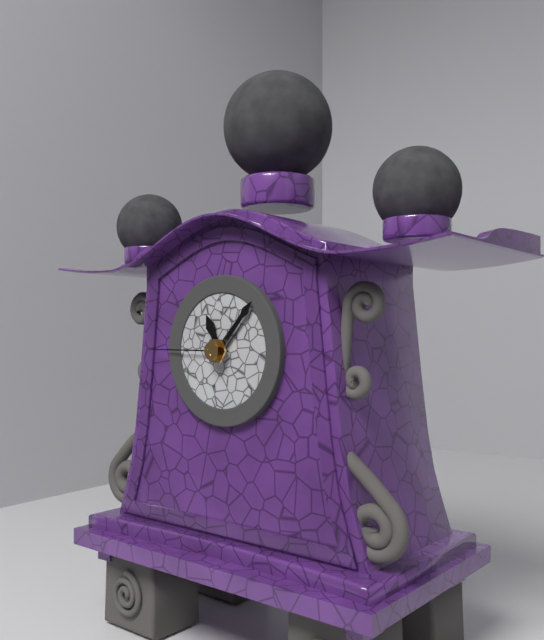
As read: h=11 m=7 s=45
